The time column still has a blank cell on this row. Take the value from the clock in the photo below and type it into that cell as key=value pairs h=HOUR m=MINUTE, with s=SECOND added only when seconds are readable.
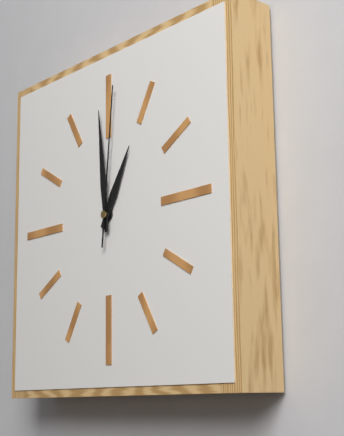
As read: h=12 m=59 s=1
